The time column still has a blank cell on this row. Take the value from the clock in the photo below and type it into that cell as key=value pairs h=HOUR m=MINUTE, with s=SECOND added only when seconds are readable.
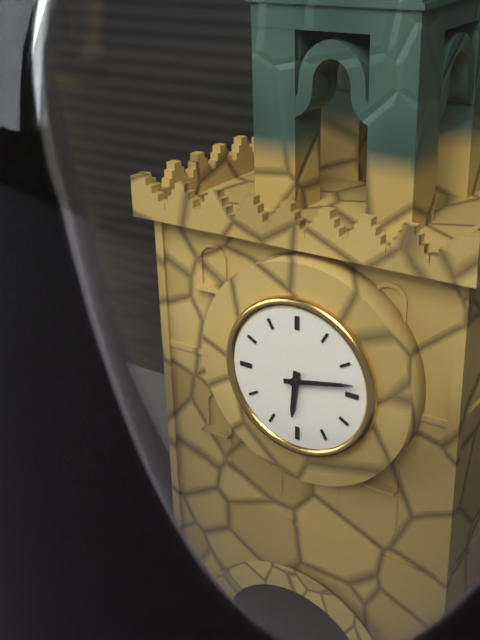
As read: h=6 m=13
